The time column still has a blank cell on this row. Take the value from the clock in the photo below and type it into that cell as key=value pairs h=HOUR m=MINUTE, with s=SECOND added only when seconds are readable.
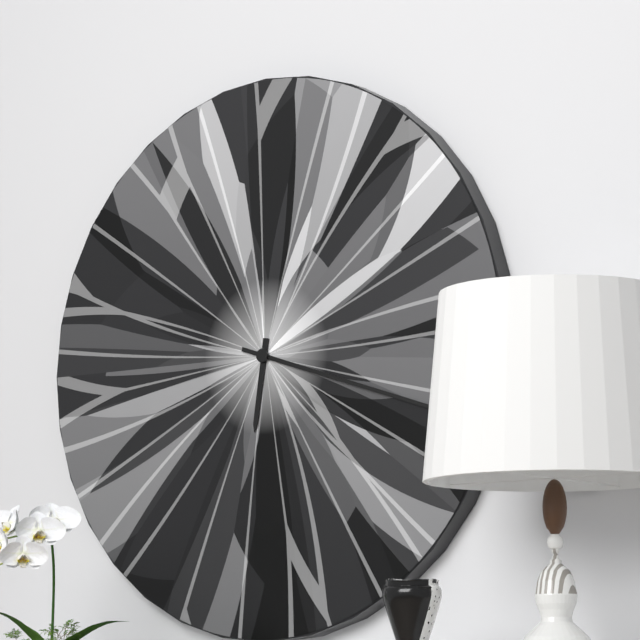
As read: h=6 m=18
